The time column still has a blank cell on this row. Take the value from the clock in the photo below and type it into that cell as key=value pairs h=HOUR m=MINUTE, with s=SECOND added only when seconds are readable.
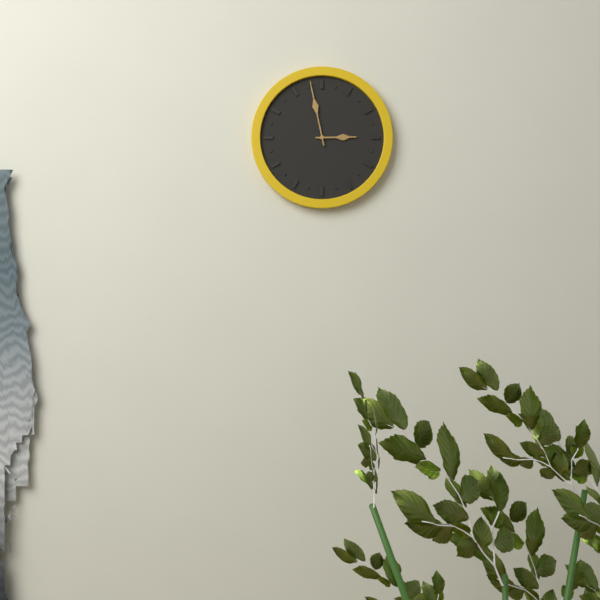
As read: h=2 m=58
